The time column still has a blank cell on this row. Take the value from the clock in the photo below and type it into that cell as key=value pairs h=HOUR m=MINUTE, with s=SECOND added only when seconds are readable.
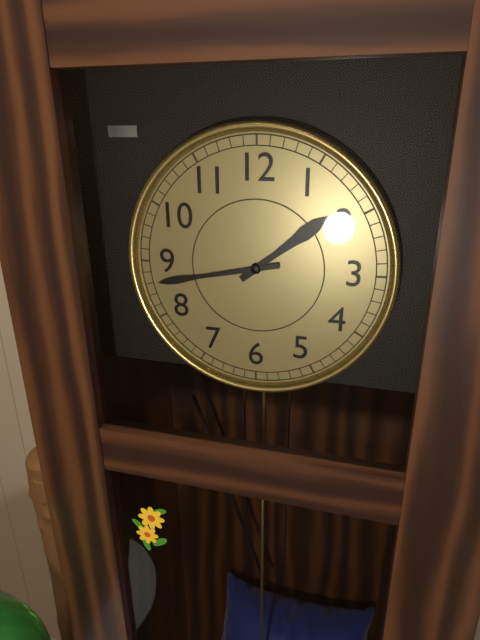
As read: h=1 m=43
